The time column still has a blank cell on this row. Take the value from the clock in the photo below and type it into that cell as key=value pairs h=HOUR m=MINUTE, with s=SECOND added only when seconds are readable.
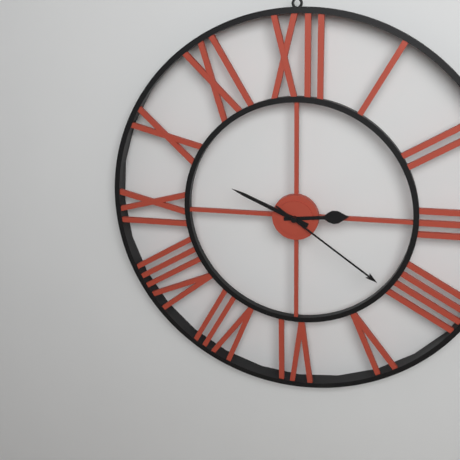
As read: h=2 m=49 s=21
